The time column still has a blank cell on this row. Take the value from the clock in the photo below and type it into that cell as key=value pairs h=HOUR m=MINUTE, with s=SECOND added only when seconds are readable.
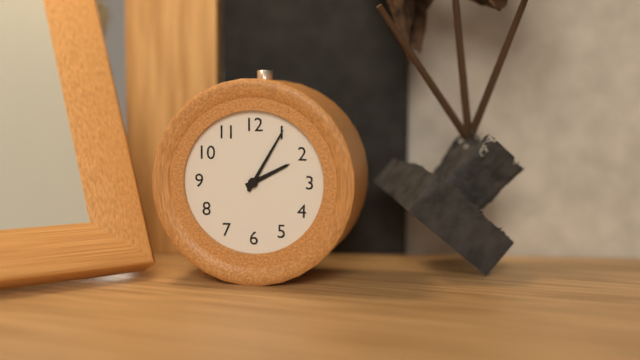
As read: h=2 m=5
